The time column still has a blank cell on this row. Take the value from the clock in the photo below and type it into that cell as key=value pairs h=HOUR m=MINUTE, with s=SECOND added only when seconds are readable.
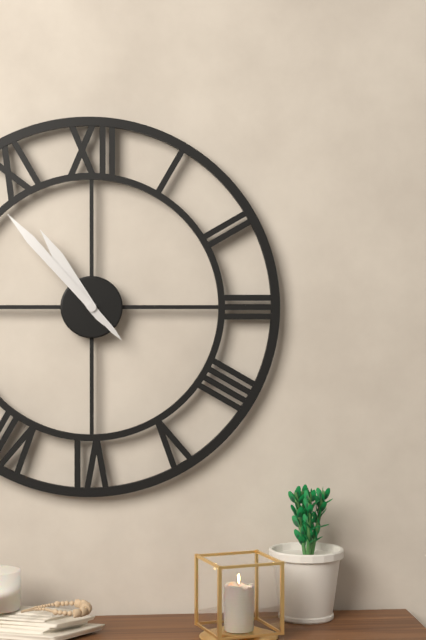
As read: h=10 m=53
